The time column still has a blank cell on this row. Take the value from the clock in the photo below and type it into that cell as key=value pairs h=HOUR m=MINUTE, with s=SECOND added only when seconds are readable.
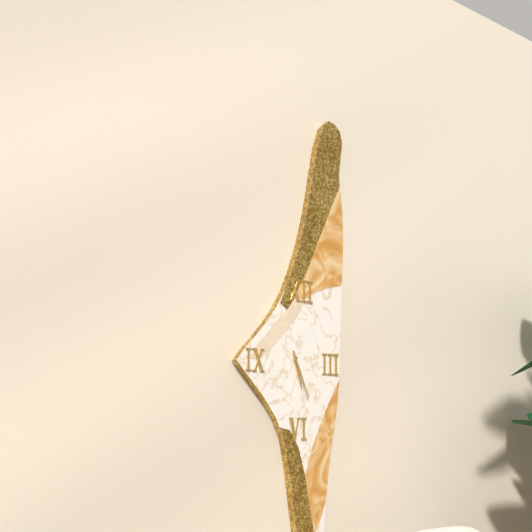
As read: h=5 m=26
